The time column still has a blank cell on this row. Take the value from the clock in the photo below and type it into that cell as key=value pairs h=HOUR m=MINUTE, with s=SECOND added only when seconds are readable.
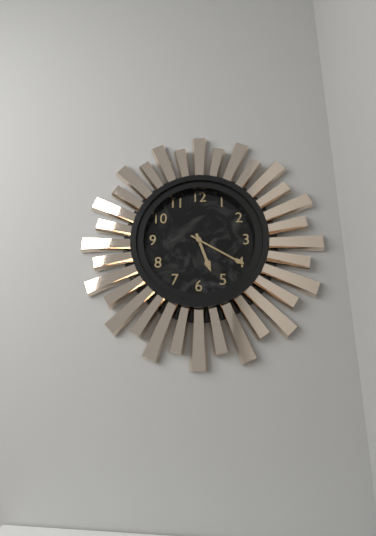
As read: h=5 m=20
